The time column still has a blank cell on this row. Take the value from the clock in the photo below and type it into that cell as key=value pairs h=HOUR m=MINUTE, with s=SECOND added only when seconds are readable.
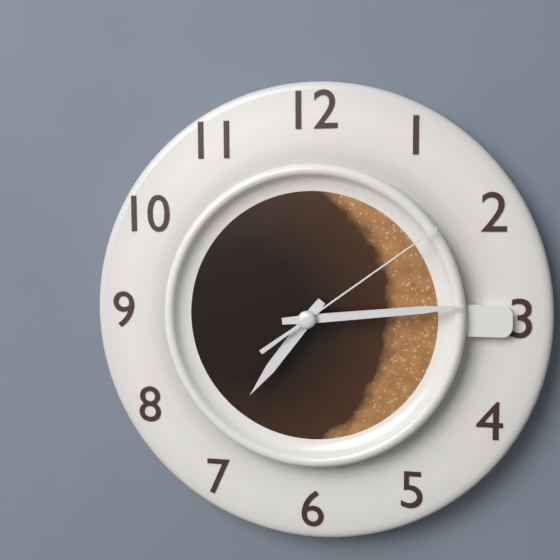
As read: h=7 m=14 s=9
